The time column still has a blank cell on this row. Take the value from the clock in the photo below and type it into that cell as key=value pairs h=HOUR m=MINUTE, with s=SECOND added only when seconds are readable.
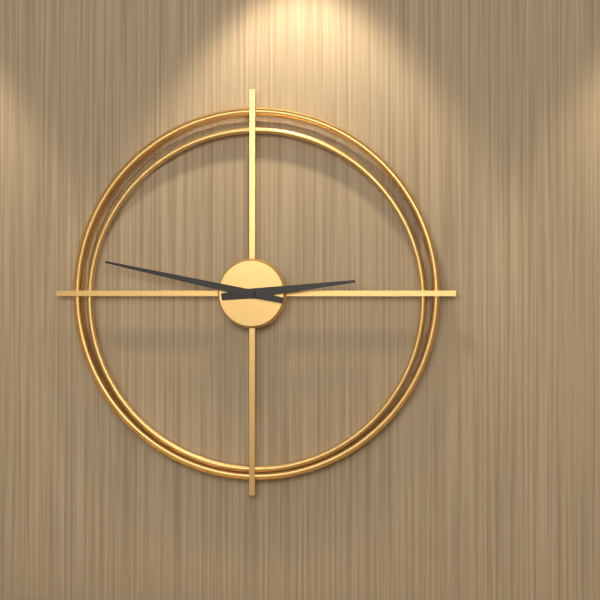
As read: h=2 m=47
